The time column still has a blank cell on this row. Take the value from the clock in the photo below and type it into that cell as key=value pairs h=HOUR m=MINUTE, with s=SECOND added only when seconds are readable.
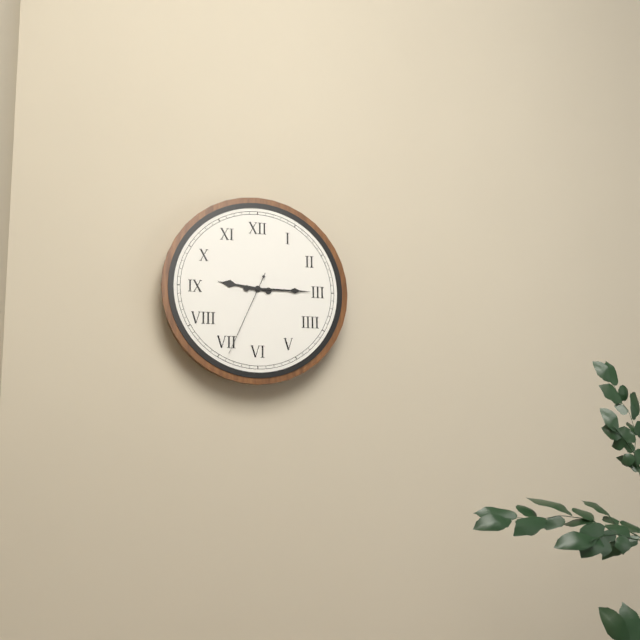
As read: h=9 m=15 s=34
